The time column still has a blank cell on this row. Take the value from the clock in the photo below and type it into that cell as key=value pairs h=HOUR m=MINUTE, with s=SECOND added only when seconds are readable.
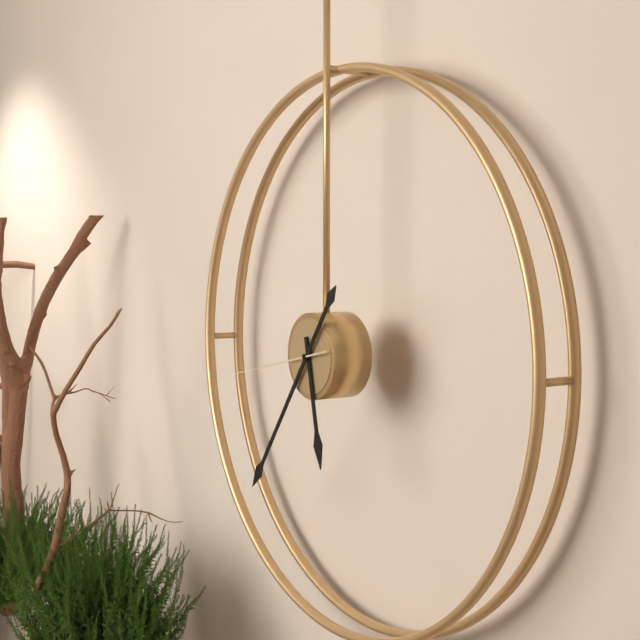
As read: h=5 m=36 s=43
